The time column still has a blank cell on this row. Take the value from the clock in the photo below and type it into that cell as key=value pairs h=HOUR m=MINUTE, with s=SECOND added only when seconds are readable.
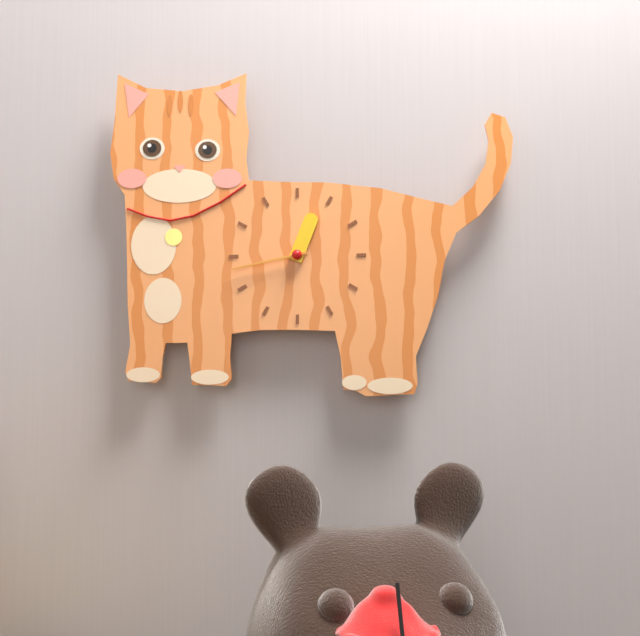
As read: h=12 m=43
